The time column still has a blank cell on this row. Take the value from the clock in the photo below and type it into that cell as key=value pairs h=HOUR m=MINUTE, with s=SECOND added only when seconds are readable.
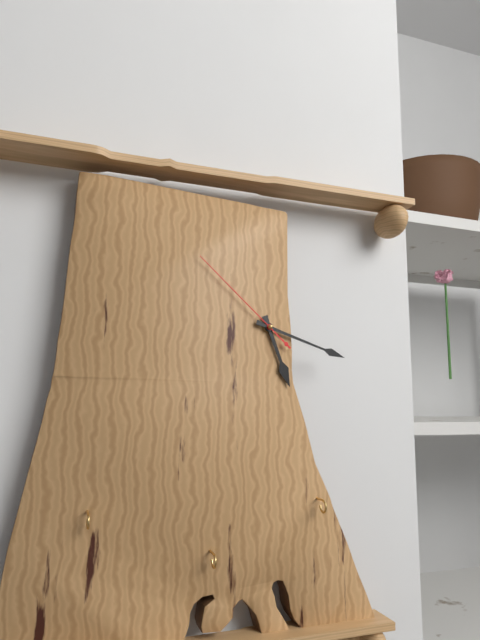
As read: h=5 m=18 s=52
